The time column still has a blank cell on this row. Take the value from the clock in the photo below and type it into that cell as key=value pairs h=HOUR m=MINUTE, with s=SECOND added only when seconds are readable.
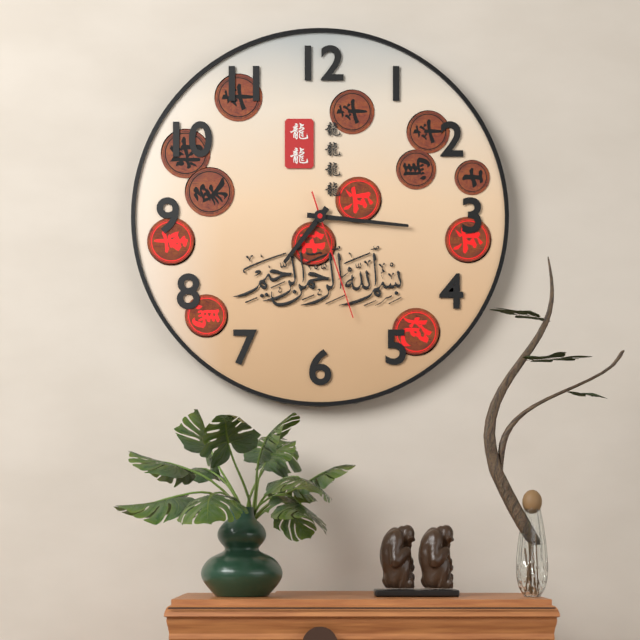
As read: h=7 m=16 s=27
